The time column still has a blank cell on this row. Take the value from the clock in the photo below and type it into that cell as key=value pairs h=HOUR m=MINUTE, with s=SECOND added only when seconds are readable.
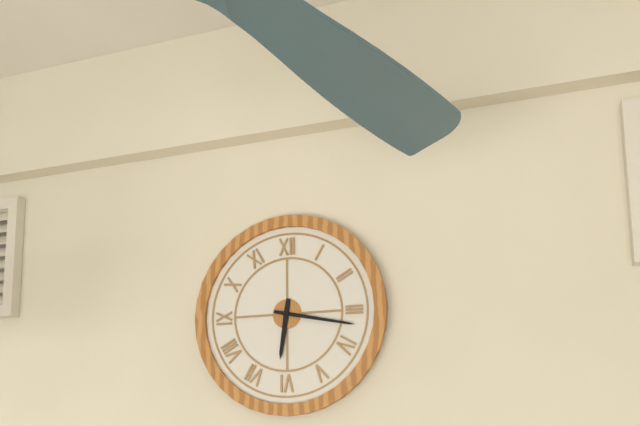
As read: h=6 m=17
